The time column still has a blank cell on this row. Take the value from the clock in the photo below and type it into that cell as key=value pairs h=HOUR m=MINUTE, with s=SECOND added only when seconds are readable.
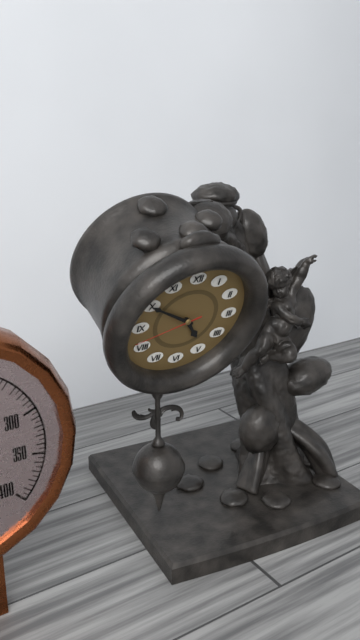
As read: h=4 m=50 s=42
